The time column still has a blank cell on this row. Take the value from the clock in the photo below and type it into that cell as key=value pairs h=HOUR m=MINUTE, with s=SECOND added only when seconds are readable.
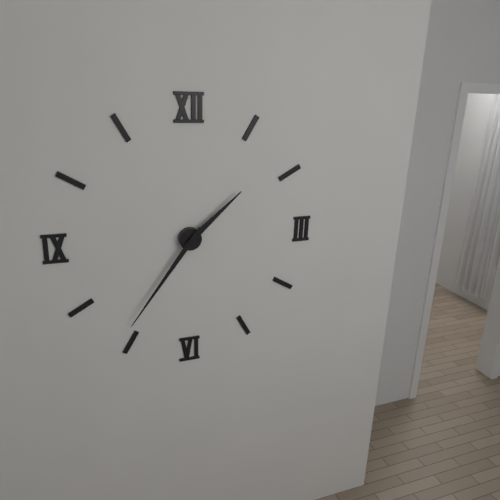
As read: h=1 m=36
